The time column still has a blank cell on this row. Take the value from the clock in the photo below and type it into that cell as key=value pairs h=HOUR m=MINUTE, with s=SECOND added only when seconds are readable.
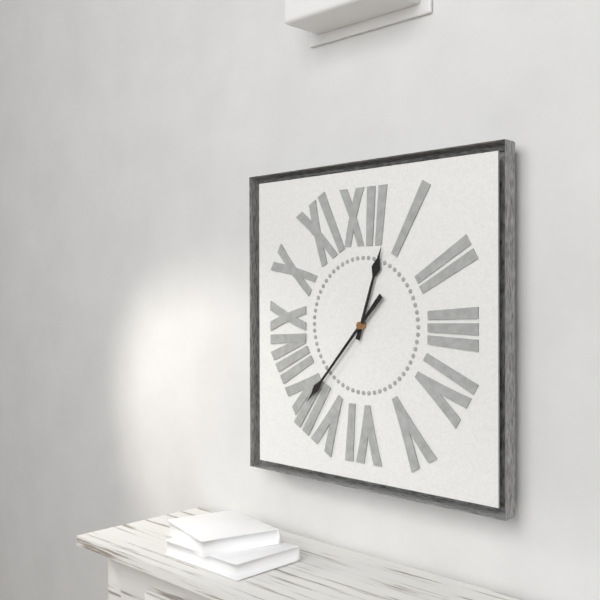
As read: h=12 m=37
